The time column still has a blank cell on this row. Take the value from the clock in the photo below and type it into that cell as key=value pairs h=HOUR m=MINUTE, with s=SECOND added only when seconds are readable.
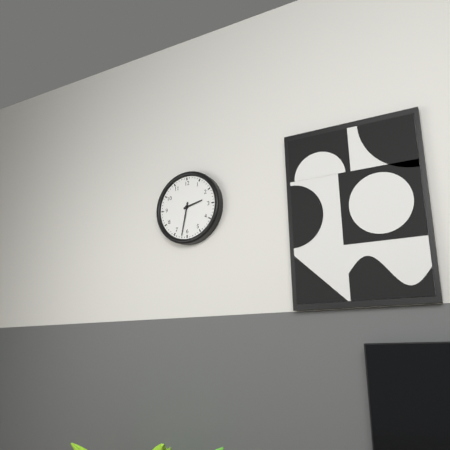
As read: h=2 m=32
